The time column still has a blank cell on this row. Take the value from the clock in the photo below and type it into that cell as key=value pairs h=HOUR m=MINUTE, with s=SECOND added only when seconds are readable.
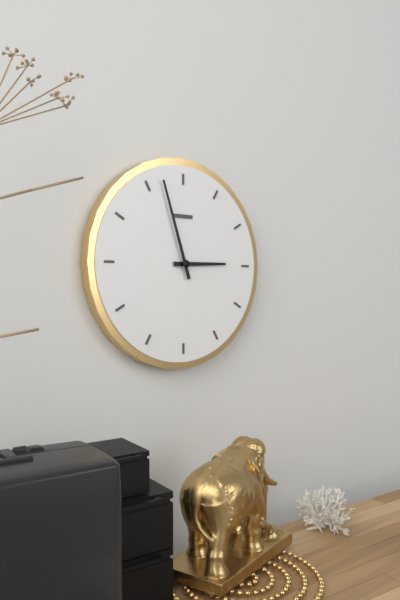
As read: h=2 m=57
